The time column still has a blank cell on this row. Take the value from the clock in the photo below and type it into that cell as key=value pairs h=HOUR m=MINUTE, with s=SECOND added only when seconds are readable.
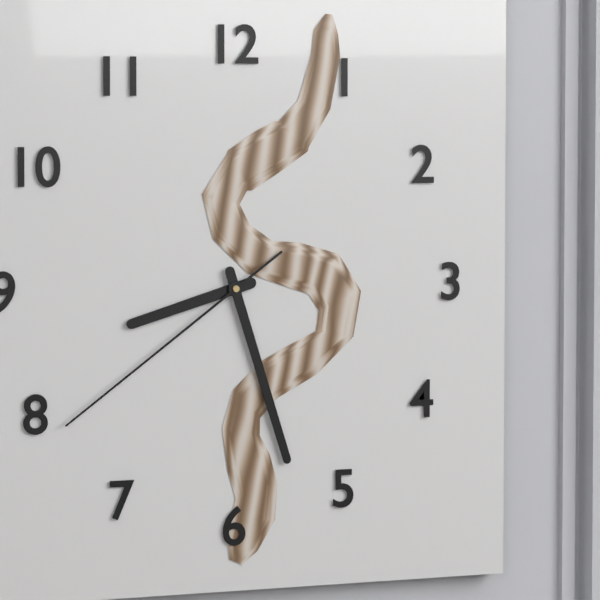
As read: h=8 m=27 s=39
